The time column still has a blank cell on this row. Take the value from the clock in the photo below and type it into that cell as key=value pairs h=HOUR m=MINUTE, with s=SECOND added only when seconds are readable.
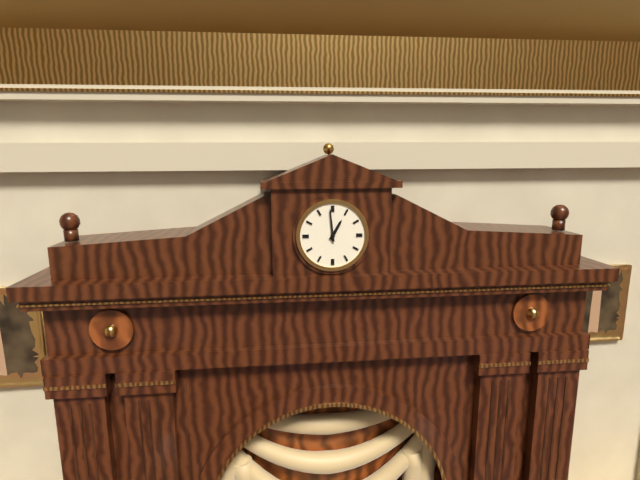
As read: h=12 m=59
